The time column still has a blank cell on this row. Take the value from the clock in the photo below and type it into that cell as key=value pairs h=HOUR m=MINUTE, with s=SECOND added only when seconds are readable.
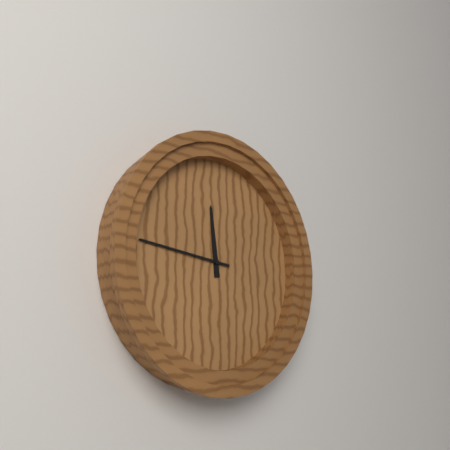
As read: h=11 m=46
